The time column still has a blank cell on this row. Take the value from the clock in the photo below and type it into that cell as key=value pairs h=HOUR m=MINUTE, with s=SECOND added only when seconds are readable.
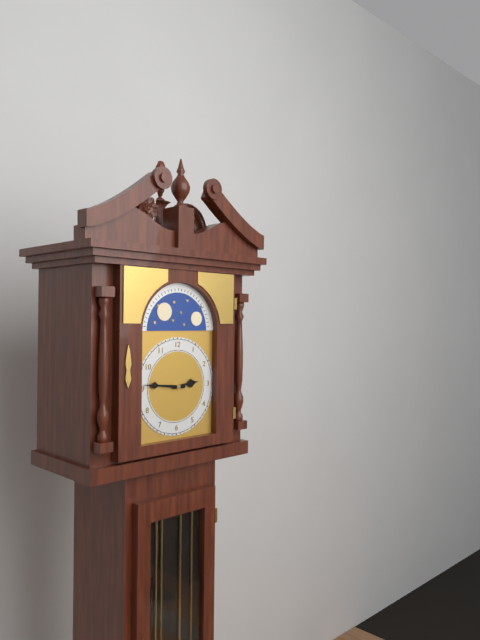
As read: h=2 m=46
